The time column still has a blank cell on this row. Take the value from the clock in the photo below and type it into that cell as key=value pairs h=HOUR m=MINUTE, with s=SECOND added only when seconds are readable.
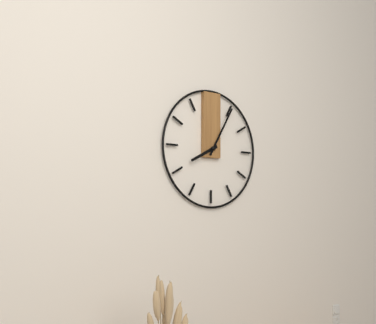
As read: h=8 m=5
